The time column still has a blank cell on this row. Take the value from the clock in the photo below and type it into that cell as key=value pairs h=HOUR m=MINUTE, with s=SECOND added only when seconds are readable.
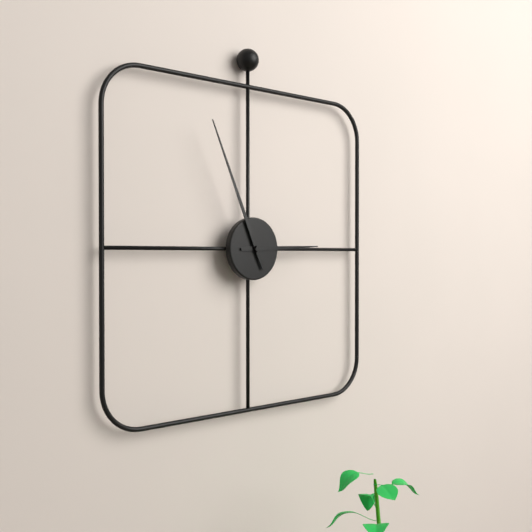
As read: h=2 m=56
